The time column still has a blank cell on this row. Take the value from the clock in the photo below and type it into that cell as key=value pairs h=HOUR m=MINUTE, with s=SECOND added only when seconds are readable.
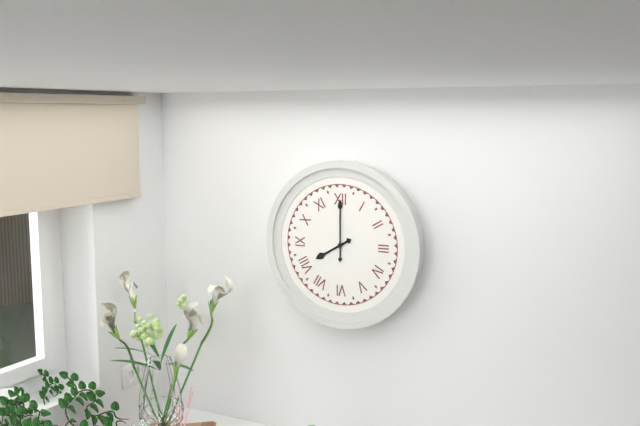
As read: h=8 m=0
